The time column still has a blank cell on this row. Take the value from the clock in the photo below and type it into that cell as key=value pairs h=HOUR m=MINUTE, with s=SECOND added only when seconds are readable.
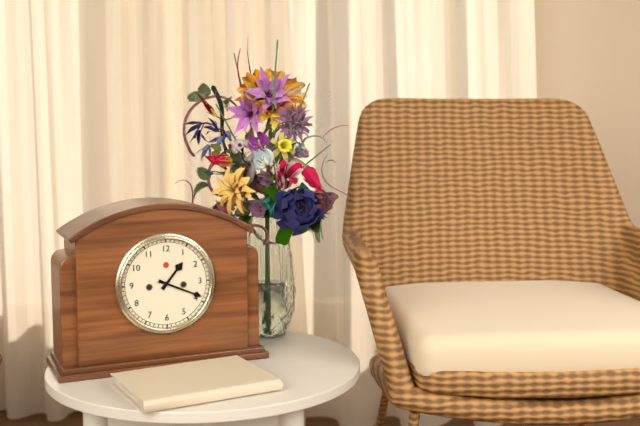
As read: h=1 m=19
